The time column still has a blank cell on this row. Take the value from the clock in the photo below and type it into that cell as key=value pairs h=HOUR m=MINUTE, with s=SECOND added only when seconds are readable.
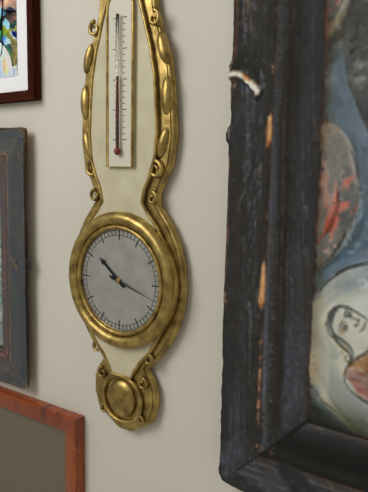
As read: h=10 m=18
